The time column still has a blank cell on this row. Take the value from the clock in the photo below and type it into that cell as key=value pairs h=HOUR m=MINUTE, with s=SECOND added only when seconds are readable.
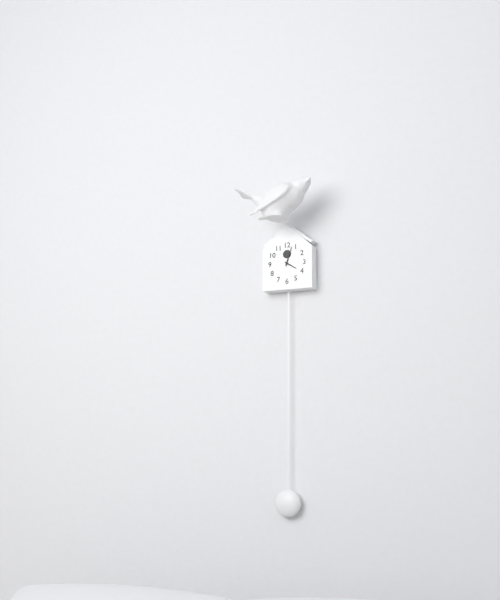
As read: h=4 m=3
